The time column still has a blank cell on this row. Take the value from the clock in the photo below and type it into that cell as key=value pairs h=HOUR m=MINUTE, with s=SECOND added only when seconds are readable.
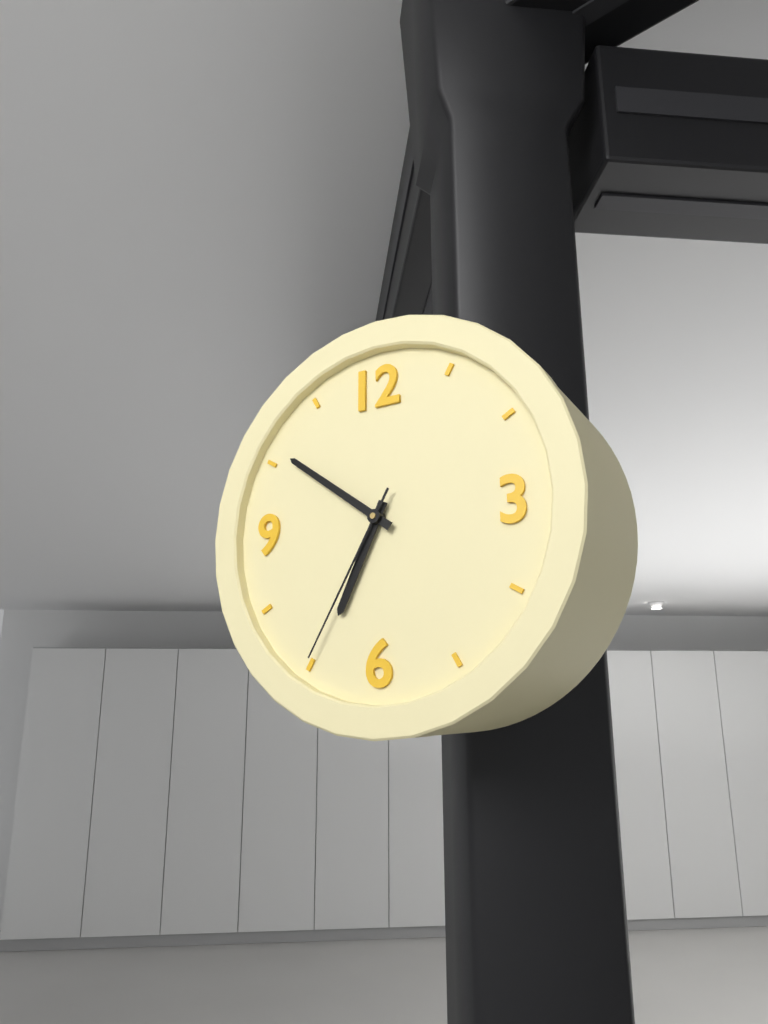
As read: h=6 m=51 s=35
